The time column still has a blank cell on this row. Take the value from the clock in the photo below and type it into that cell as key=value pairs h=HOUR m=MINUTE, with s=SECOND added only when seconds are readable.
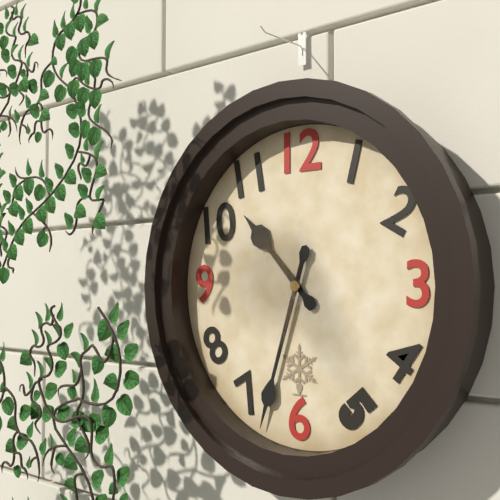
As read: h=10 m=33
